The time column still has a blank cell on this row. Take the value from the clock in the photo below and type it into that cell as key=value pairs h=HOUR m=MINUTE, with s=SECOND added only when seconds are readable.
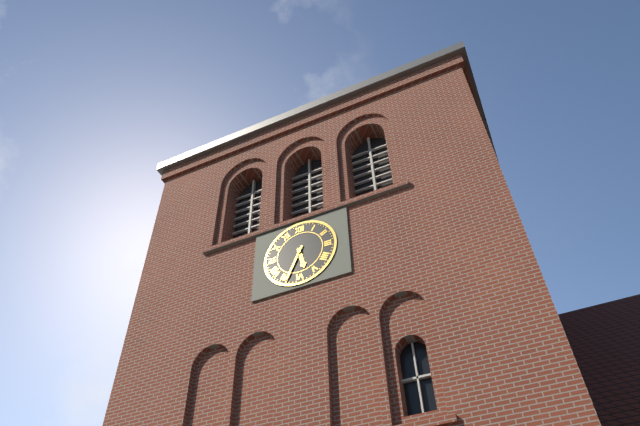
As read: h=5 m=34
